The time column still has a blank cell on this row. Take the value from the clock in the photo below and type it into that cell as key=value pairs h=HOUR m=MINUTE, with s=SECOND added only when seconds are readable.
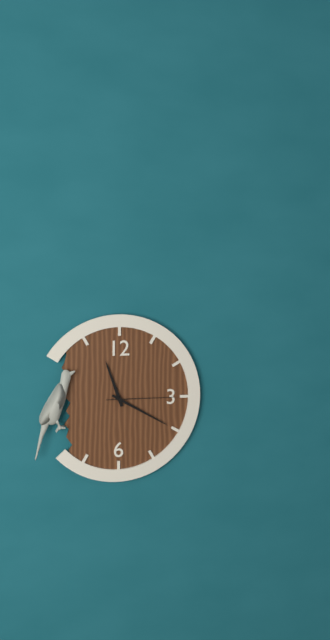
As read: h=11 m=20 s=15
